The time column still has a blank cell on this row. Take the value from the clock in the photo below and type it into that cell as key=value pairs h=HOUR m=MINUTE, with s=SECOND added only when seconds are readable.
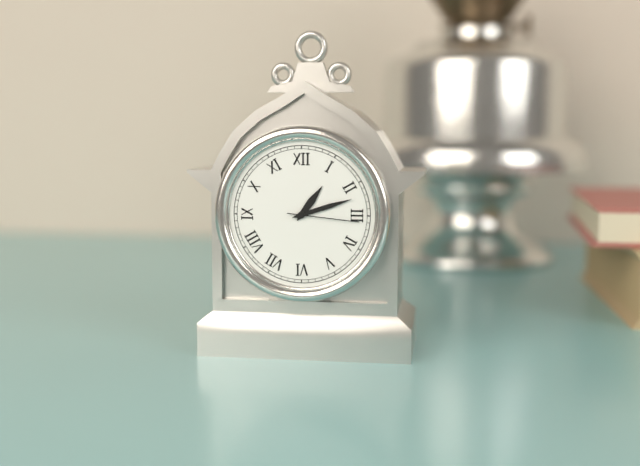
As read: h=1 m=12 s=16
